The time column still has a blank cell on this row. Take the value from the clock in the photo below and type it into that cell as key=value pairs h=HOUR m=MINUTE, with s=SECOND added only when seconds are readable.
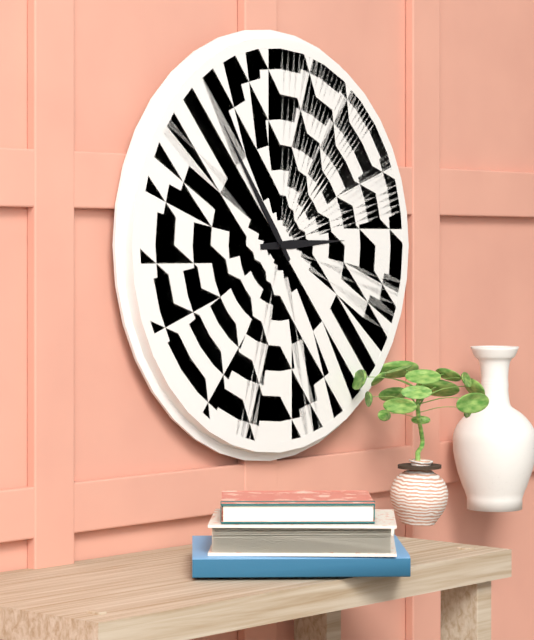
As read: h=2 m=54
